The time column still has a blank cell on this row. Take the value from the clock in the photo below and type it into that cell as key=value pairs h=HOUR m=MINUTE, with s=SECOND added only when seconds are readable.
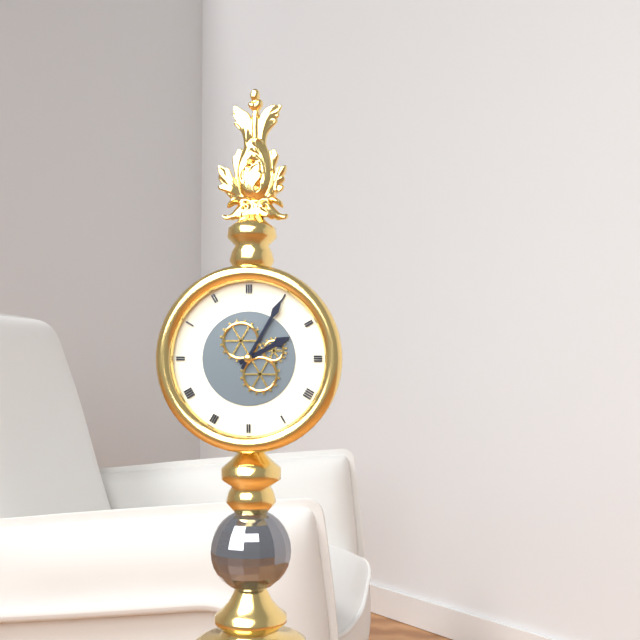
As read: h=2 m=5
